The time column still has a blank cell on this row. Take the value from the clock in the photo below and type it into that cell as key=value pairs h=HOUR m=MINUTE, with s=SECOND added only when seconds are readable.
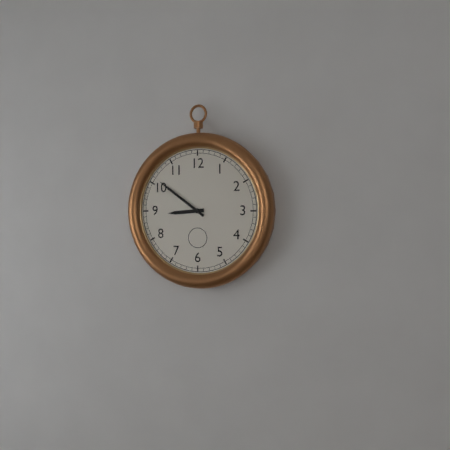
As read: h=8 m=51
